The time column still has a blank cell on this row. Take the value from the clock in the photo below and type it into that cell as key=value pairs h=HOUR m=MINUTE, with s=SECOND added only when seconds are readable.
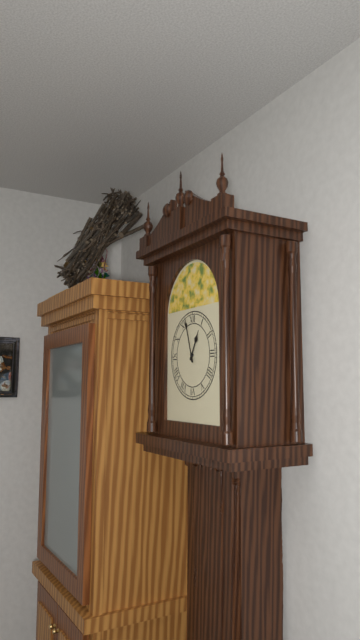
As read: h=12 m=57
